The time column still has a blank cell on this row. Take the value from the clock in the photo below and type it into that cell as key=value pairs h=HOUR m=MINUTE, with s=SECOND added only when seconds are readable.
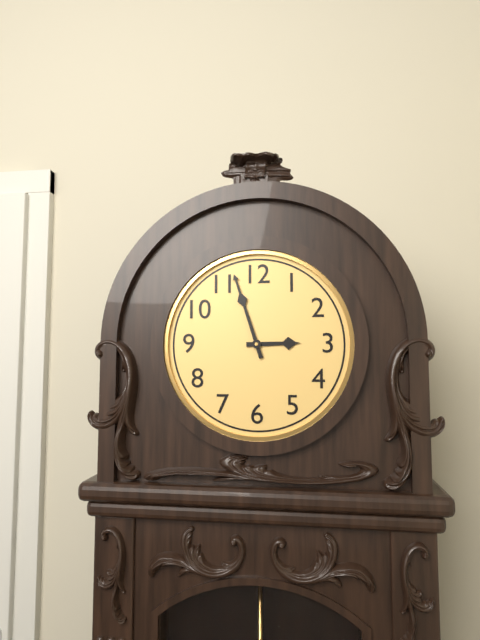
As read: h=2 m=57
